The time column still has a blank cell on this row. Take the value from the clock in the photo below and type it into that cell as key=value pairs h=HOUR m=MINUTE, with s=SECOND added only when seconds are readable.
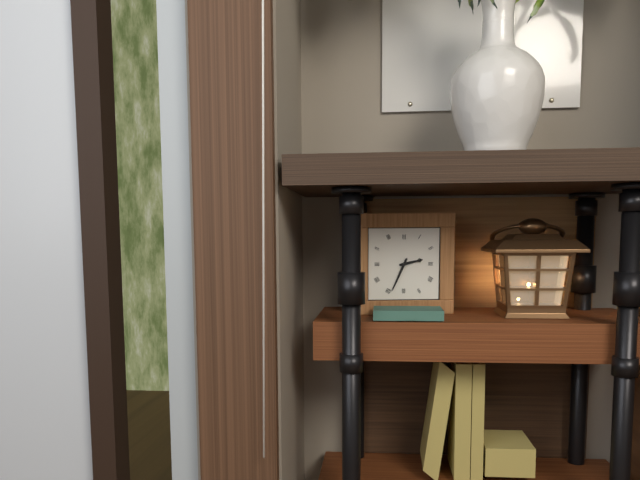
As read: h=2 m=34
